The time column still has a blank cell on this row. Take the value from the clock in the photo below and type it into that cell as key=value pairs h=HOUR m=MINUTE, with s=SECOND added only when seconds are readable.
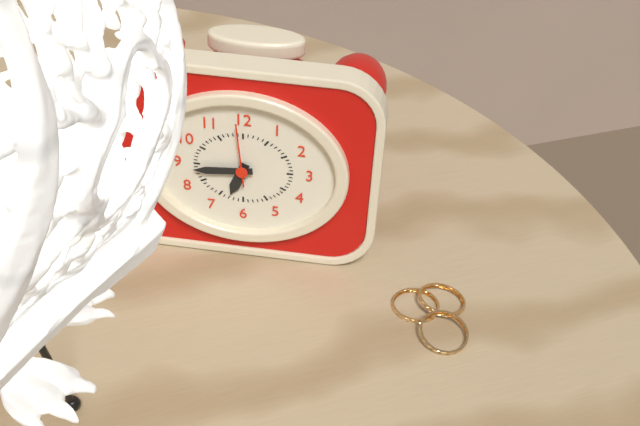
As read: h=6 m=44 s=59
